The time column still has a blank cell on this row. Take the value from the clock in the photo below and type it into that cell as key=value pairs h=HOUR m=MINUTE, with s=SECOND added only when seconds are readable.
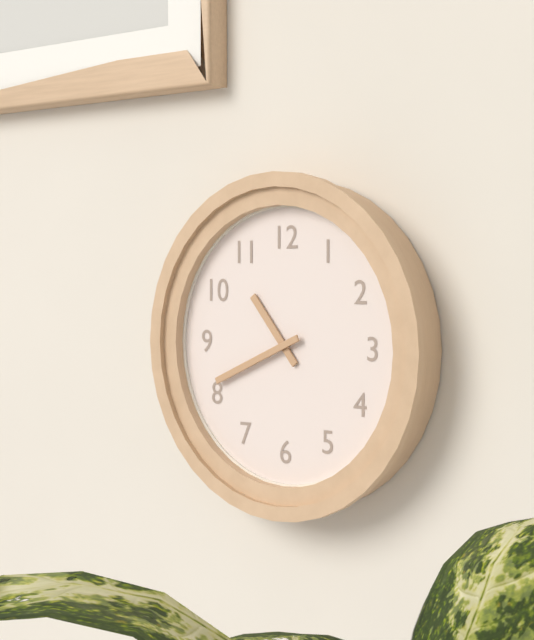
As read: h=10 m=41
